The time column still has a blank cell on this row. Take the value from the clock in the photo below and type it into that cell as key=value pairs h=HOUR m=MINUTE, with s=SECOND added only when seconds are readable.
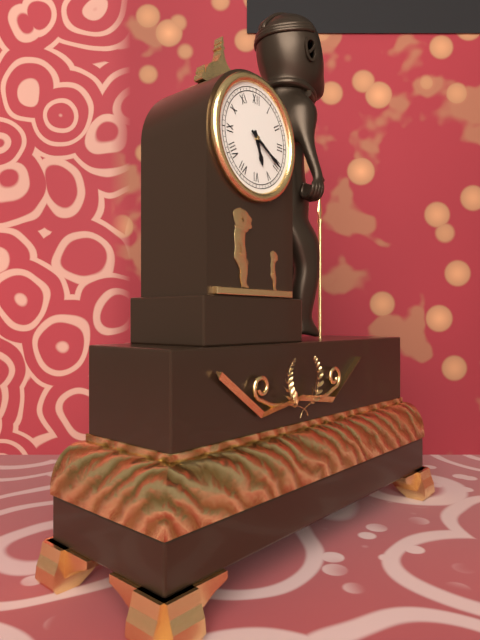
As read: h=5 m=20
